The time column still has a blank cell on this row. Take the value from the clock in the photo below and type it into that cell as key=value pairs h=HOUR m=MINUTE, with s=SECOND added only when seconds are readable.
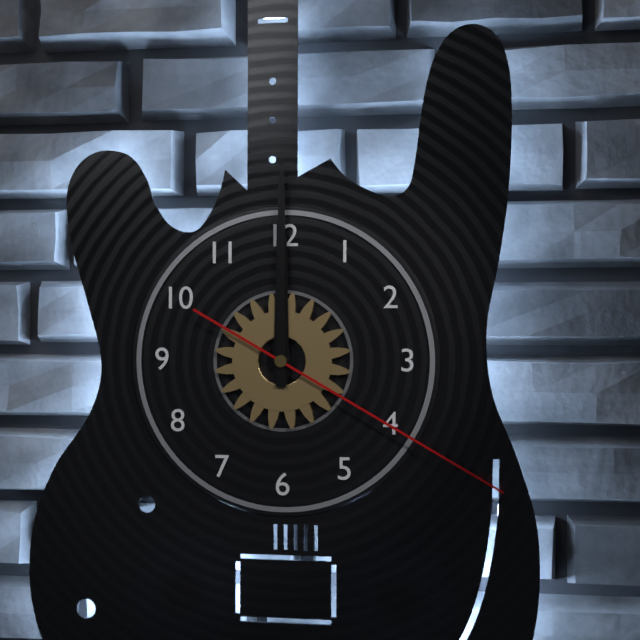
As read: h=12 m=0 s=20
